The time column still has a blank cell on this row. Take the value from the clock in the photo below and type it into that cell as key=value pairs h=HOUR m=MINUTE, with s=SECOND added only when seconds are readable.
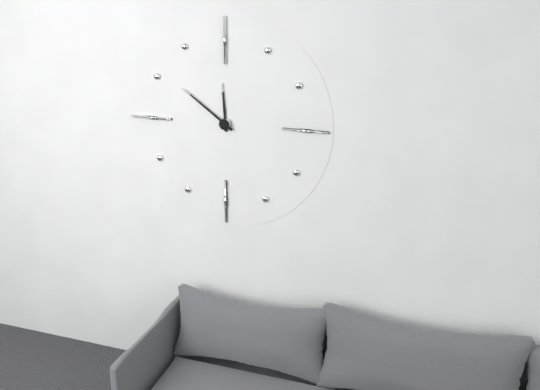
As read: h=11 m=51
